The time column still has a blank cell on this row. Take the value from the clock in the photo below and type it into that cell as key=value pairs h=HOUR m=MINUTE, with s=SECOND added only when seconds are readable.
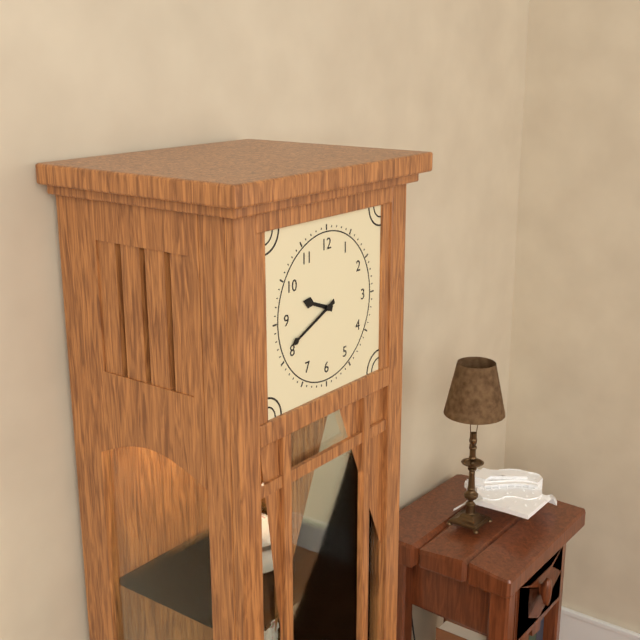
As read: h=9 m=41
